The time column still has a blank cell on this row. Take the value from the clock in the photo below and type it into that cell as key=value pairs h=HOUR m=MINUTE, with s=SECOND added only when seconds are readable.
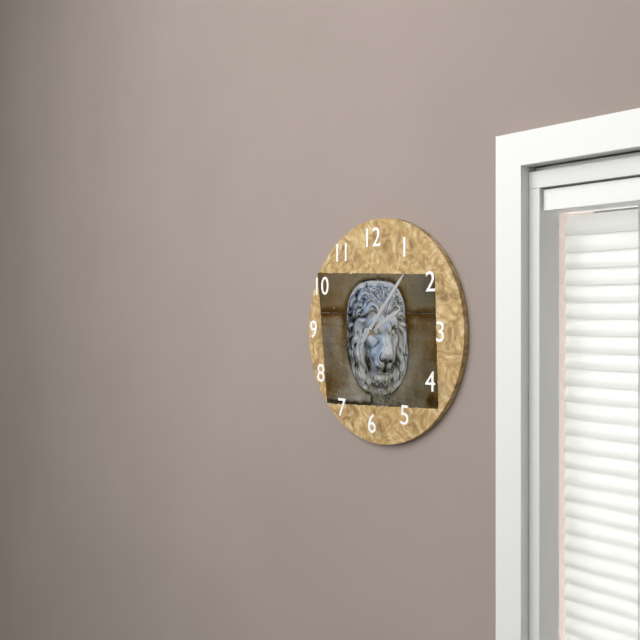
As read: h=2 m=7
